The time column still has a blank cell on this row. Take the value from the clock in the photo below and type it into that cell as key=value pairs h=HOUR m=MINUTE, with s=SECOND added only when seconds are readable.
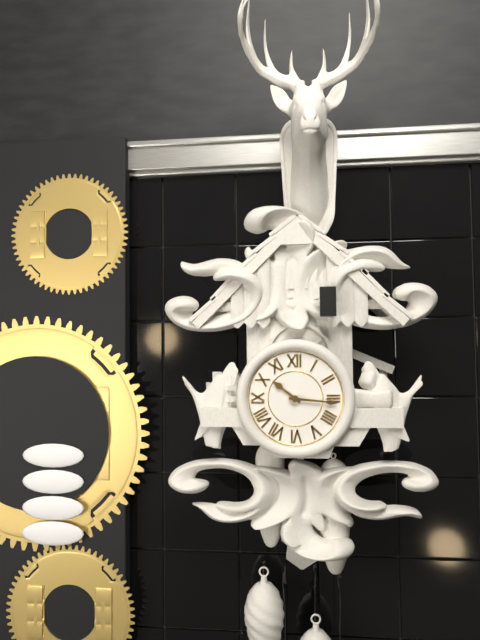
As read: h=10 m=16
